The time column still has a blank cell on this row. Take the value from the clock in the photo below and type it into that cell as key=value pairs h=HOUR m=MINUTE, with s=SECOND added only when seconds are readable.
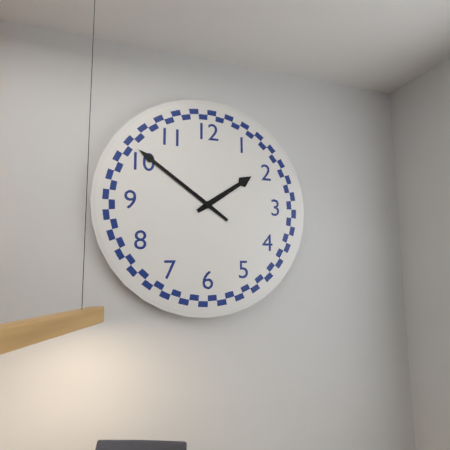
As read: h=1 m=51
